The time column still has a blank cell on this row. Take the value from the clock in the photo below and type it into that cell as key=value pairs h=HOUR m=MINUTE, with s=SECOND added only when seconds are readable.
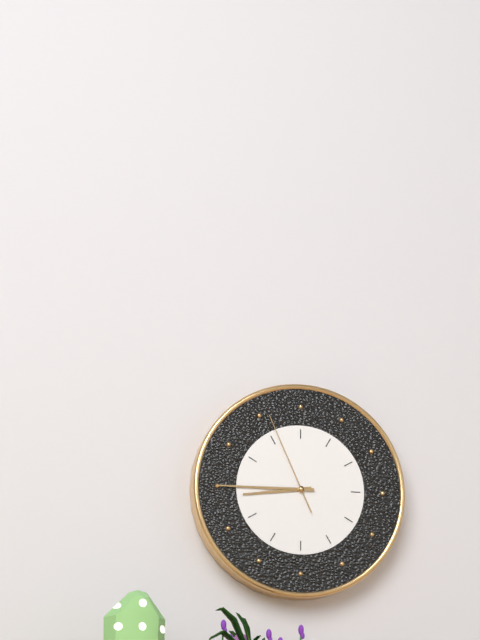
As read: h=8 m=45 s=56
